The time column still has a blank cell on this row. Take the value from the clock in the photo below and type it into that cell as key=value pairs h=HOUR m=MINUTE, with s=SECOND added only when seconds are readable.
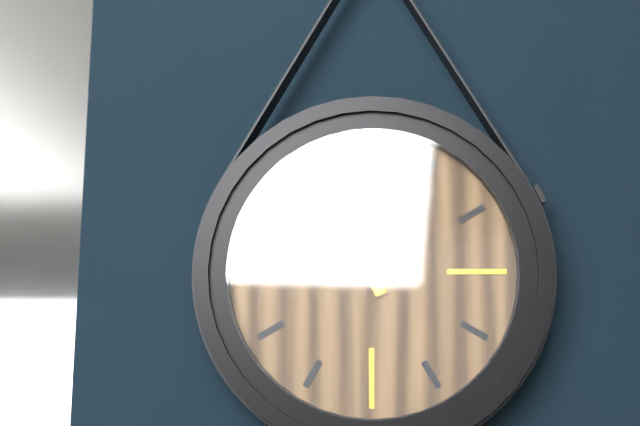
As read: h=8 m=56
